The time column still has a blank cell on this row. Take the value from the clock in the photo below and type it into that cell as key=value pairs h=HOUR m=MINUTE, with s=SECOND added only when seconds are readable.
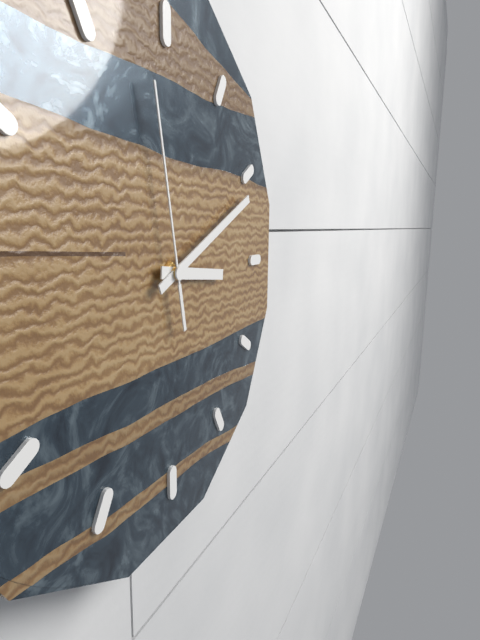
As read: h=3 m=11 s=58
